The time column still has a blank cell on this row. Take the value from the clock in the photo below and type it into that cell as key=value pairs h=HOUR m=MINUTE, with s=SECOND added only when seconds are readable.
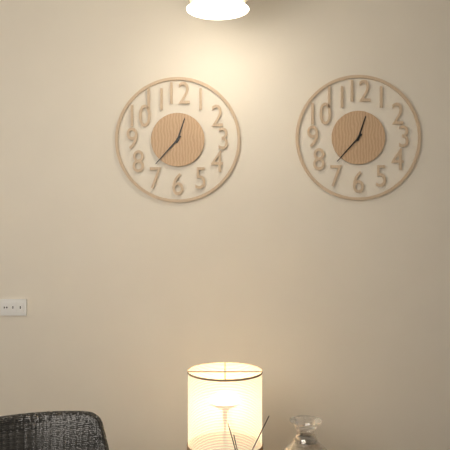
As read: h=12 m=37
